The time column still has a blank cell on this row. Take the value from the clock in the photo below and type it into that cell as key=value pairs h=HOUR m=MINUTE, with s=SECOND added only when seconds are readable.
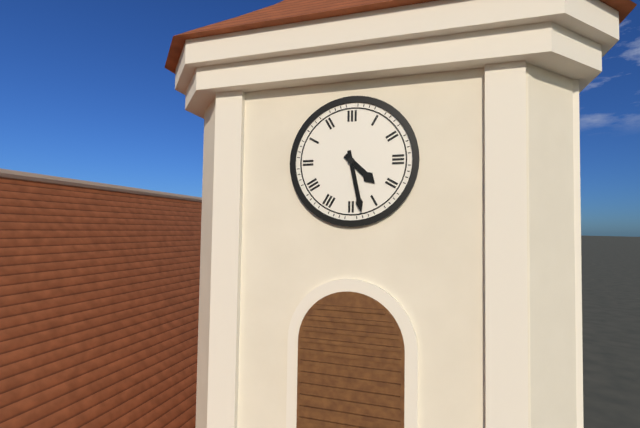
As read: h=4 m=28
